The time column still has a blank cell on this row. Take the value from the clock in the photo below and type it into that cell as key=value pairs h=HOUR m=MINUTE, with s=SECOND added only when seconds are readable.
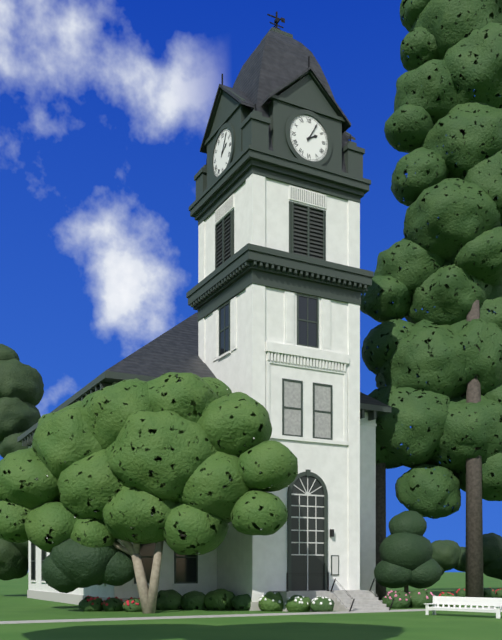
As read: h=2 m=5
